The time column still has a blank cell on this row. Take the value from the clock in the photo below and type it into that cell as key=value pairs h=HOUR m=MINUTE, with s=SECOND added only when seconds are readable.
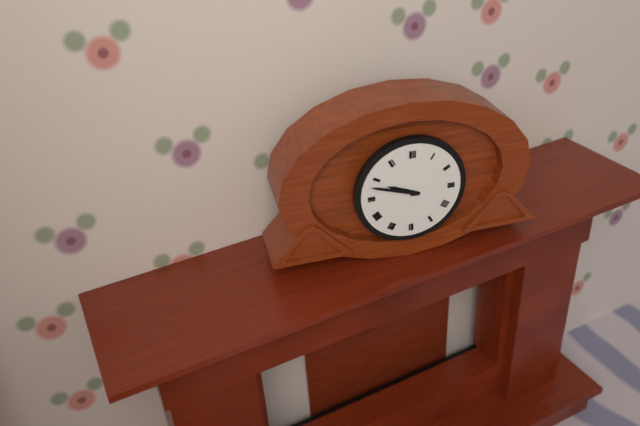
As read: h=9 m=48
